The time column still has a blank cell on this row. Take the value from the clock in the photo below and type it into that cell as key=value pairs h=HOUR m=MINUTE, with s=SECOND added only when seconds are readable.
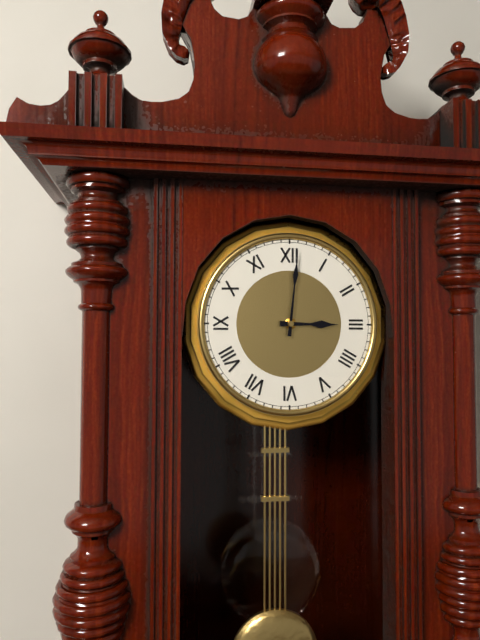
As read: h=3 m=1
